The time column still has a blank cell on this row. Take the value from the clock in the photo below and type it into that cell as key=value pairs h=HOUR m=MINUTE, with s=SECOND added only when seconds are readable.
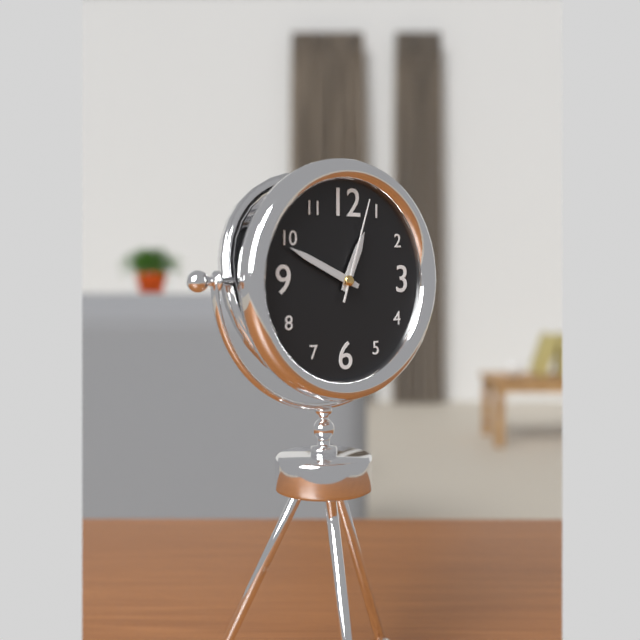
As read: h=12 m=49 s=3
